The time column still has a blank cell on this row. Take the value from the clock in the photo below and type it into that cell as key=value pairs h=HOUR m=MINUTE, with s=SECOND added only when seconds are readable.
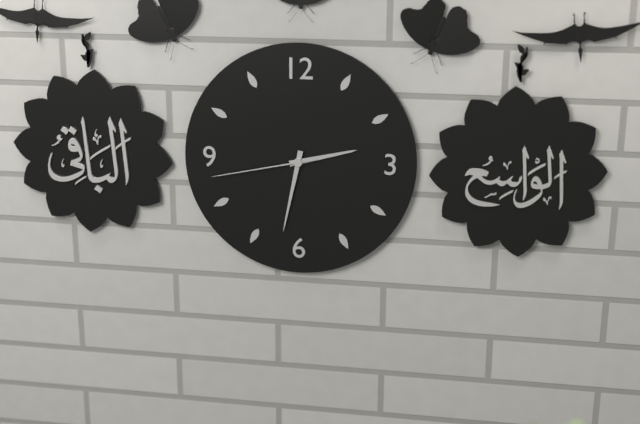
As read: h=2 m=32 s=43
